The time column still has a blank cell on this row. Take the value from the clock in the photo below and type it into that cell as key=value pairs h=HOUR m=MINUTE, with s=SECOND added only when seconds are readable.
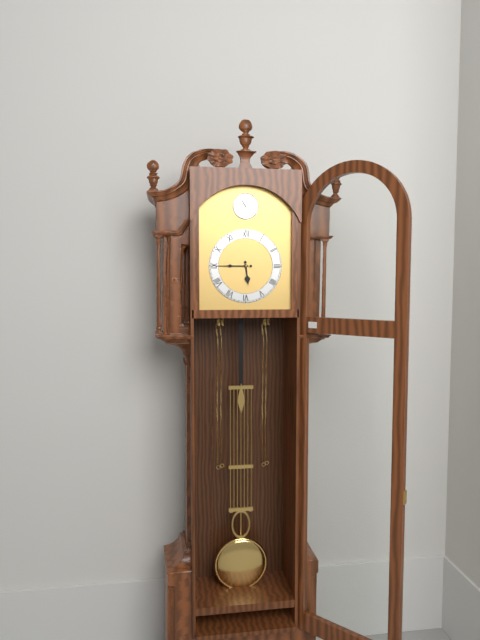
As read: h=5 m=45
